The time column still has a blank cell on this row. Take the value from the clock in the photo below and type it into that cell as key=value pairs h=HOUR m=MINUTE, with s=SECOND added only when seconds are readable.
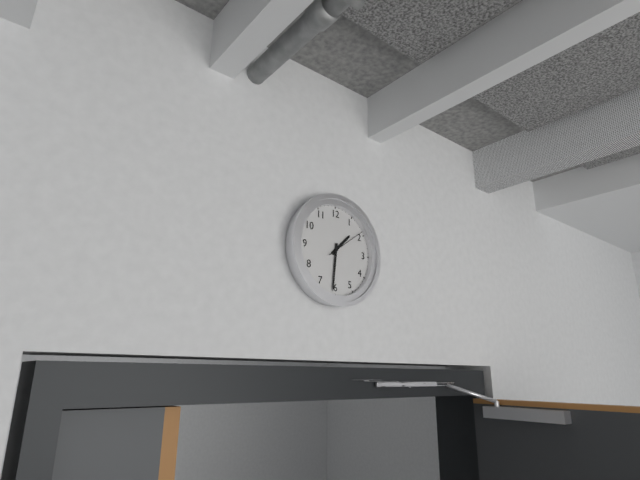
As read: h=1 m=31
